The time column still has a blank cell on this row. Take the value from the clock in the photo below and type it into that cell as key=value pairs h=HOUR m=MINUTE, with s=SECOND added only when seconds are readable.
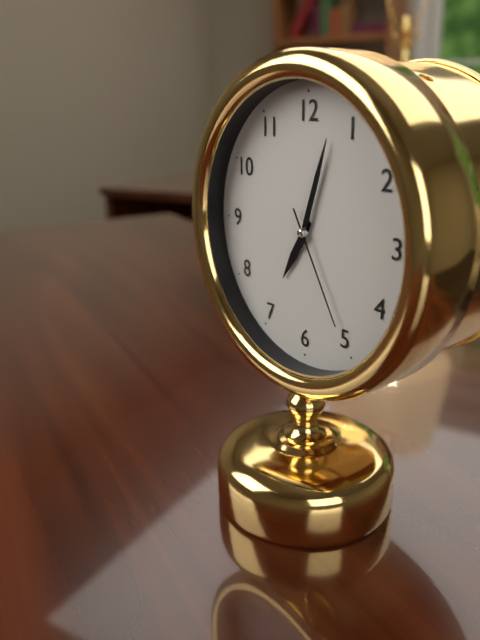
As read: h=7 m=3 s=25
